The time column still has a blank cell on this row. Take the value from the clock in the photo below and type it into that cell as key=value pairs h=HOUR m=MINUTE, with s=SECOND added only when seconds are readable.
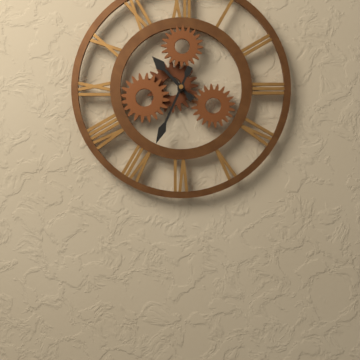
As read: h=10 m=34
